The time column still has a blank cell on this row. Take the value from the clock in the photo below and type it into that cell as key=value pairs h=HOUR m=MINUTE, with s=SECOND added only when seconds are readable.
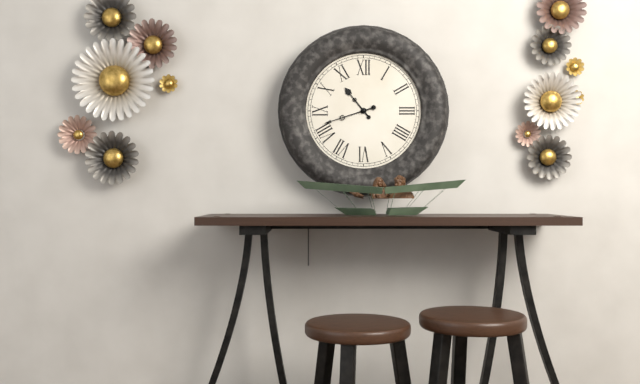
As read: h=10 m=42
